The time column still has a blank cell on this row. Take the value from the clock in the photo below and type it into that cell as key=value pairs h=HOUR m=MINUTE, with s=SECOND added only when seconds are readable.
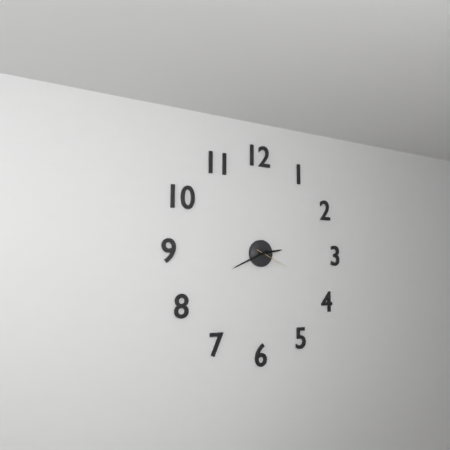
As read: h=2 m=41
